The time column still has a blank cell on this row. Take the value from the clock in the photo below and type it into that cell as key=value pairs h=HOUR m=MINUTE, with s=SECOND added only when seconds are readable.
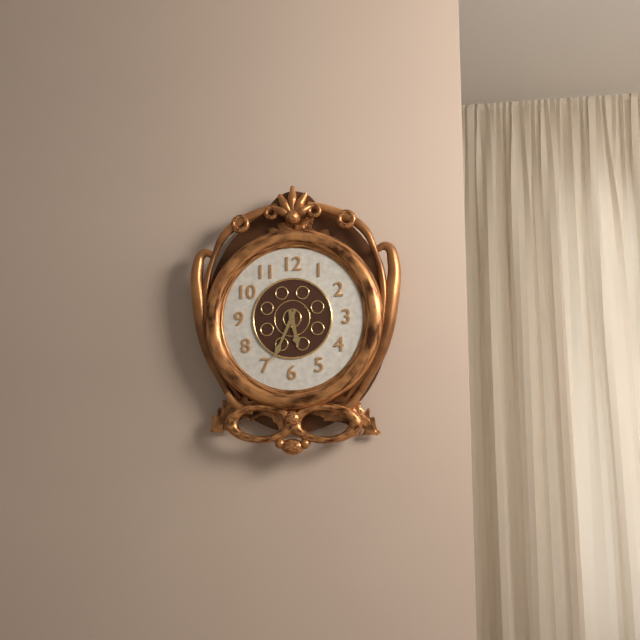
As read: h=5 m=34
